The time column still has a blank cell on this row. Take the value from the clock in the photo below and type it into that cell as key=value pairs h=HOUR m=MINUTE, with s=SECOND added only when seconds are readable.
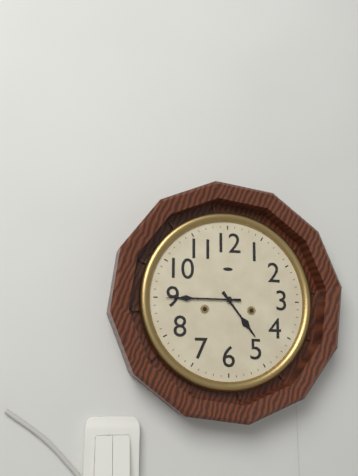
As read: h=4 m=45
